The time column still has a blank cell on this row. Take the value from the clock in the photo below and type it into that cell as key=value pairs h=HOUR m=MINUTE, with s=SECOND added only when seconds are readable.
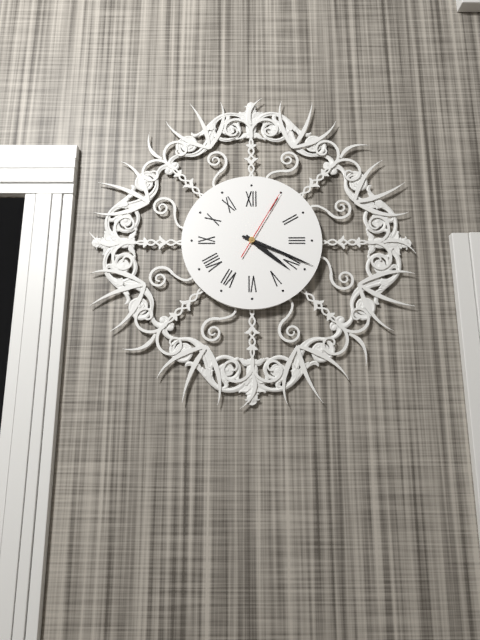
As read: h=4 m=19 s=5
